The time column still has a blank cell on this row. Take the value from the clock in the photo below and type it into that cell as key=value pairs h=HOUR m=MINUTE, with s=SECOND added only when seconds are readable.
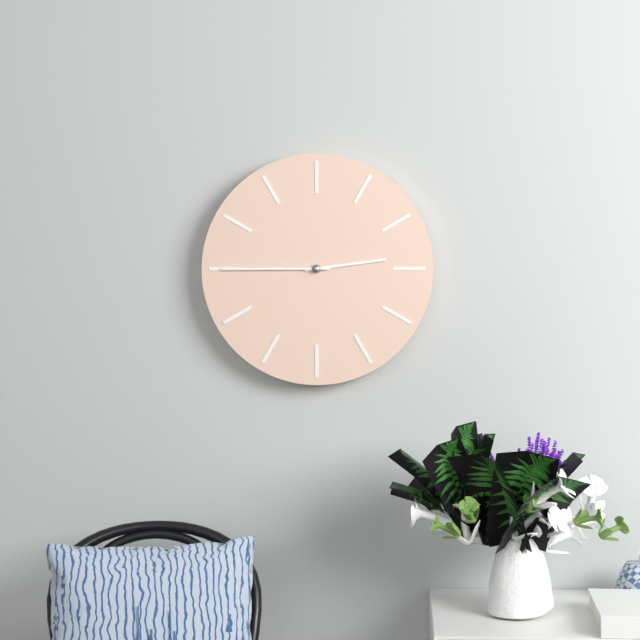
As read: h=2 m=45
